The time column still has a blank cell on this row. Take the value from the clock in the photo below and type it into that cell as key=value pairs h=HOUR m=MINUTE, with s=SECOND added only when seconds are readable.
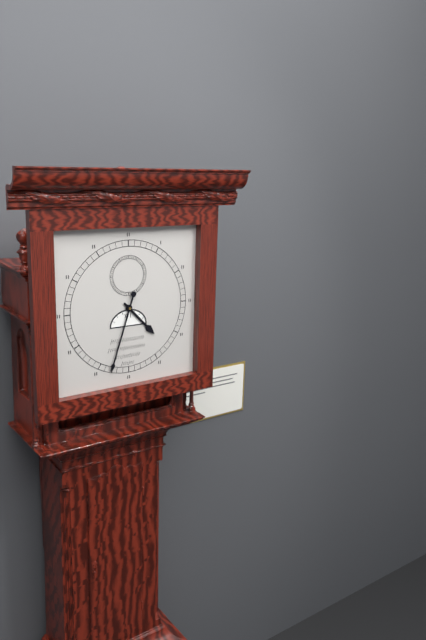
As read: h=4 m=33
